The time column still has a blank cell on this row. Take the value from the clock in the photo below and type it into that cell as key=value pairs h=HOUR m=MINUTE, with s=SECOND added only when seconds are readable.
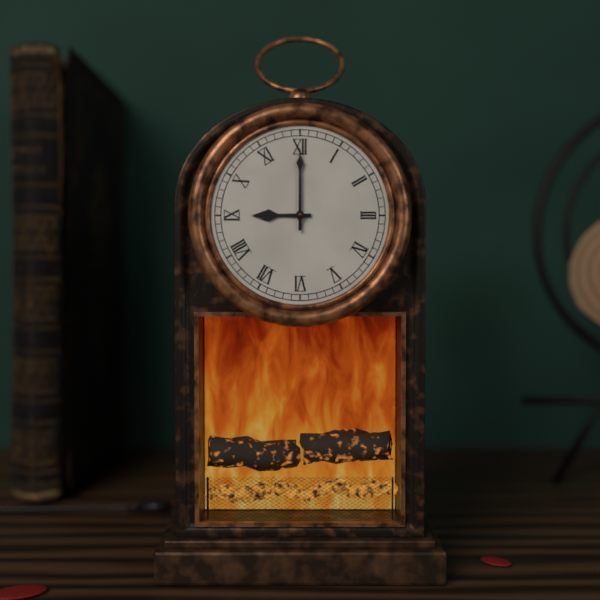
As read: h=9 m=0
